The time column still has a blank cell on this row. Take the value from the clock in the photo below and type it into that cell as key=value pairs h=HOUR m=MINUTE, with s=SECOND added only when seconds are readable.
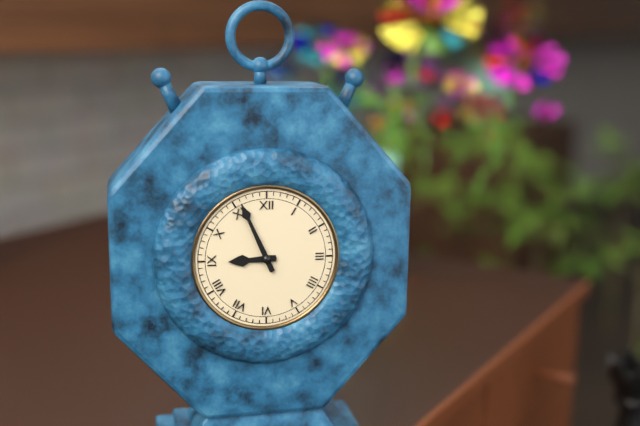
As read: h=8 m=56
